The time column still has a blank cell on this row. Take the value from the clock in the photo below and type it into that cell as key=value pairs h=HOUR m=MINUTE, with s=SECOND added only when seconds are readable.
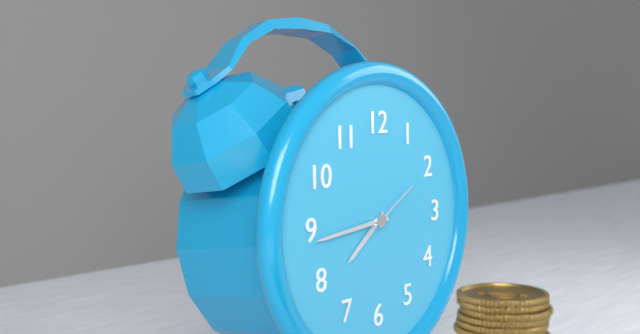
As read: h=7 m=44 s=10
